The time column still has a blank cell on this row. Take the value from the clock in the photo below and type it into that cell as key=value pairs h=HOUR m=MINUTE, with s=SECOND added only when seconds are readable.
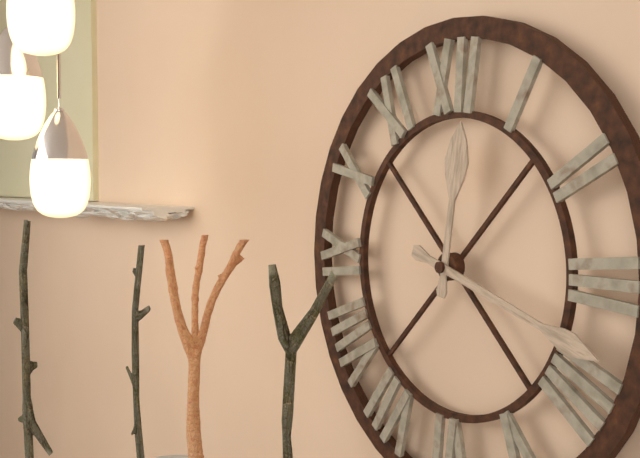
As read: h=12 m=18
